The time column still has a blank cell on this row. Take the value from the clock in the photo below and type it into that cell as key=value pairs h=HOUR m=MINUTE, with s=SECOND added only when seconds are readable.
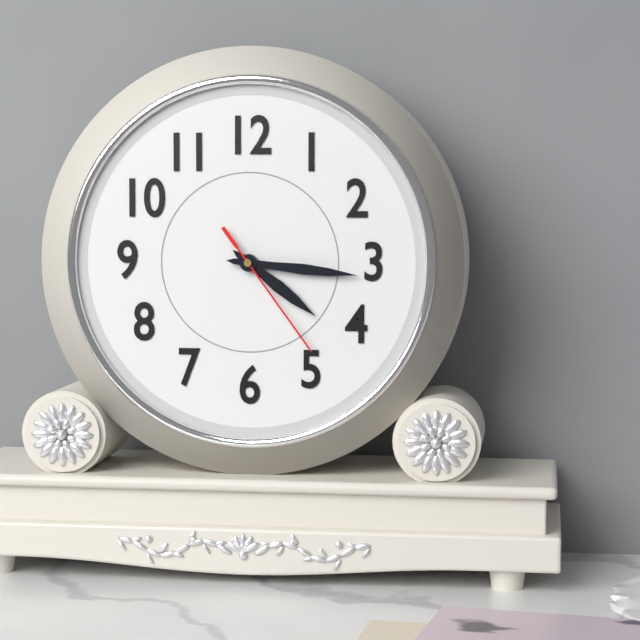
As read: h=4 m=16 s=24
